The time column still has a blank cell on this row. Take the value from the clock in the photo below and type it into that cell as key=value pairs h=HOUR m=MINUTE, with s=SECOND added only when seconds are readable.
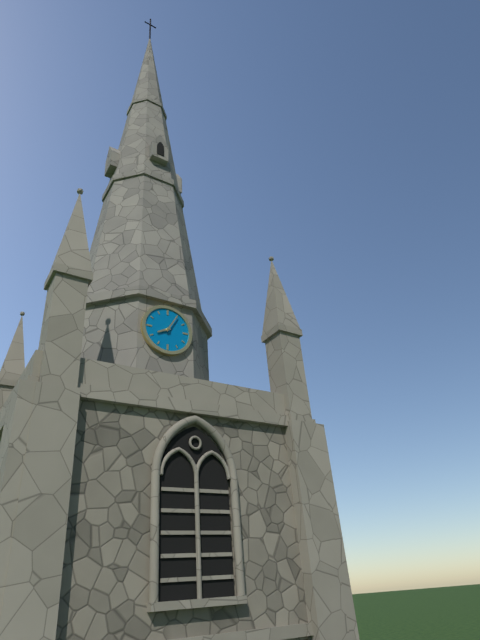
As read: h=8 m=5
